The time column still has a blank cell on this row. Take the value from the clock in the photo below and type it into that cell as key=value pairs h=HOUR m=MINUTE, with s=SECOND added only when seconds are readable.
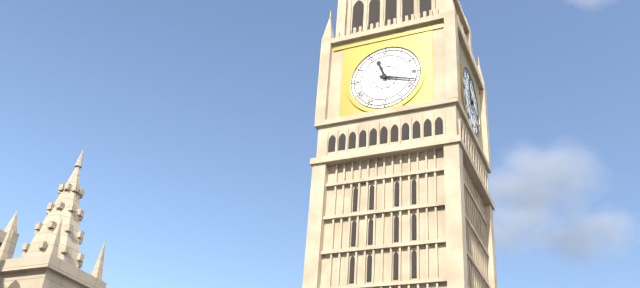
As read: h=11 m=18
